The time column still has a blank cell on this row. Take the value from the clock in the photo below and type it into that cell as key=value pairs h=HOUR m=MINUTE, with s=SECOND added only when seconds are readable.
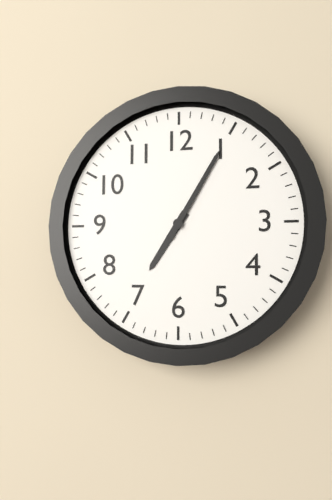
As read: h=7 m=5
